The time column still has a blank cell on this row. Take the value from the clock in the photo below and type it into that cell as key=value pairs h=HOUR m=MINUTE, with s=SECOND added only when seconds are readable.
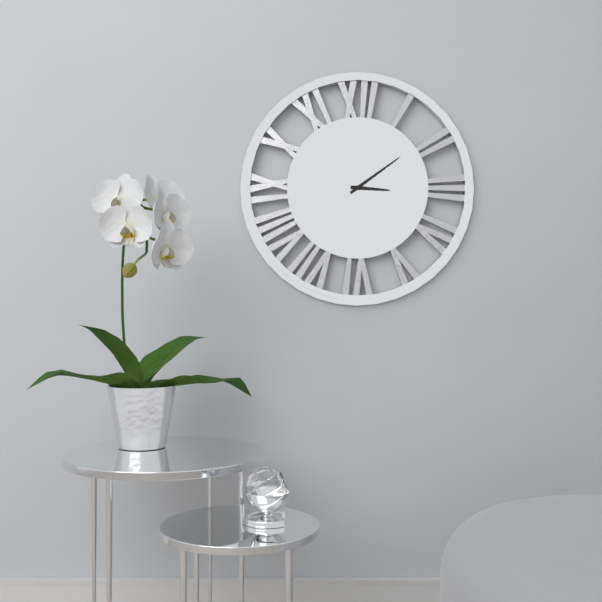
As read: h=3 m=9
